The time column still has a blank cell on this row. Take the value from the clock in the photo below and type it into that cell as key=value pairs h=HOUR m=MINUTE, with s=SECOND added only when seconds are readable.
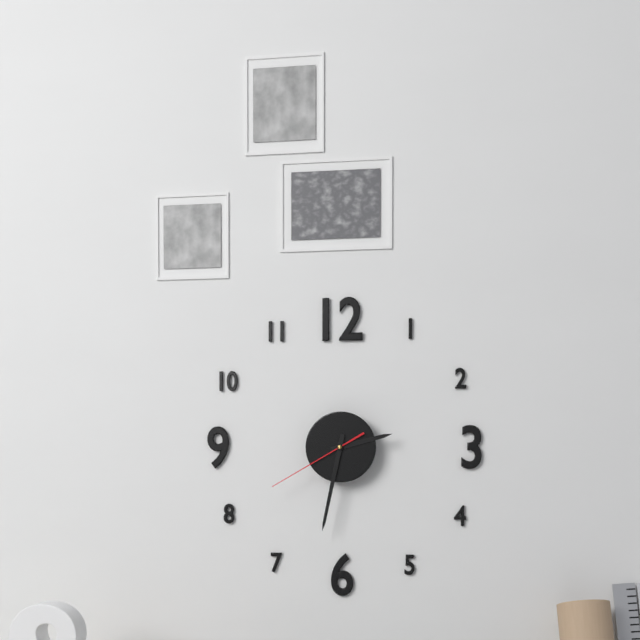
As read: h=2 m=32 s=40
